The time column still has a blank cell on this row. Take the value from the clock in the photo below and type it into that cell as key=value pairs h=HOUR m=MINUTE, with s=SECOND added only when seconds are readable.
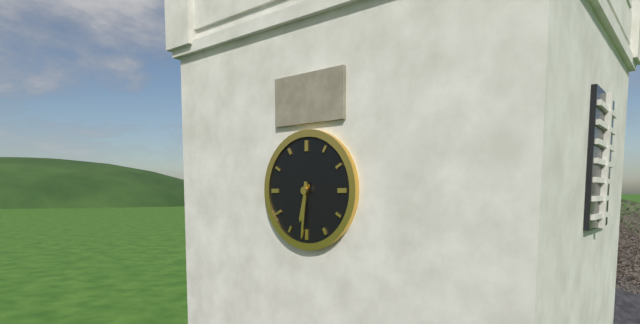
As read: h=6 m=31
